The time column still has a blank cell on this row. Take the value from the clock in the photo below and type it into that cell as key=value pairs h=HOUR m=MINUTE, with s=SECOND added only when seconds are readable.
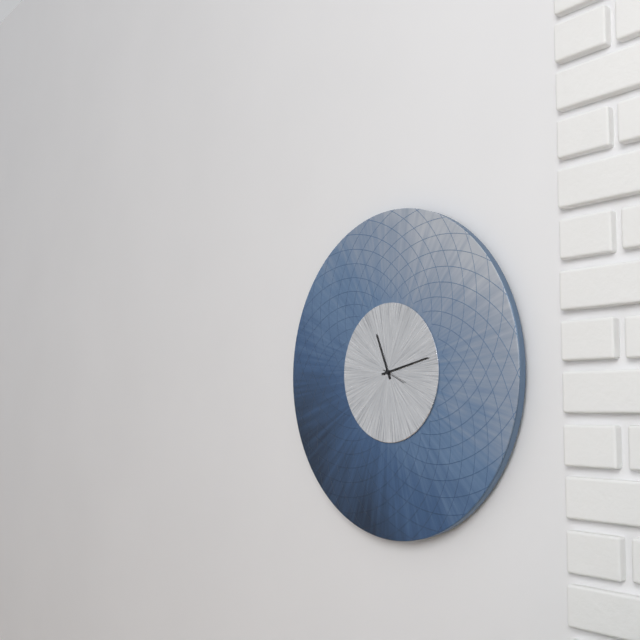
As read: h=11 m=13
